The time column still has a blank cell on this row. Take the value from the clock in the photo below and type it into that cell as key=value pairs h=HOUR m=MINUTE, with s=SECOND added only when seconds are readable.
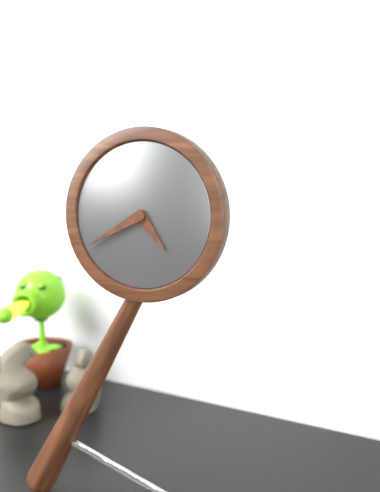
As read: h=4 m=40
